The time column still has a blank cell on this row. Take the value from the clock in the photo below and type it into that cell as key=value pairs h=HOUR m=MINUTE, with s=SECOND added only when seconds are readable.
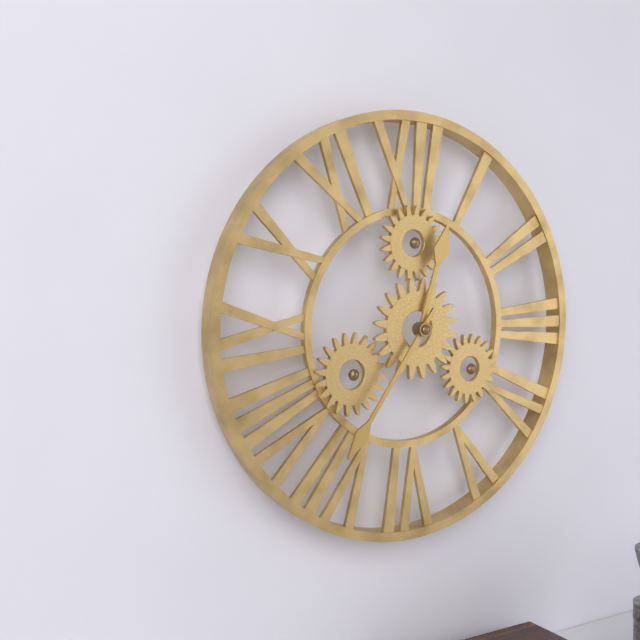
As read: h=12 m=36
